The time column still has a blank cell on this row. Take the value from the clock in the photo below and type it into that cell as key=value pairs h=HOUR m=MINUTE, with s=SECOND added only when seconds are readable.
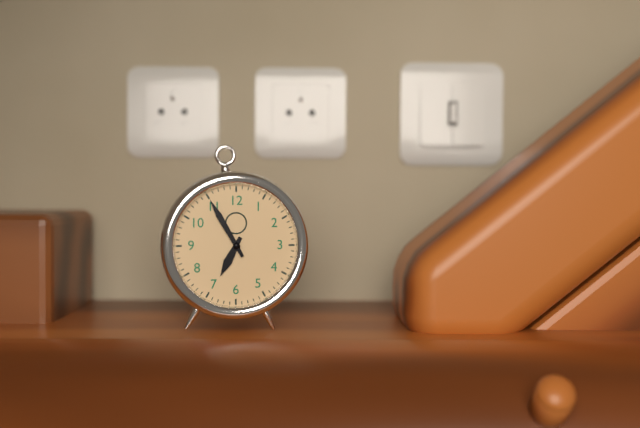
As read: h=6 m=55
